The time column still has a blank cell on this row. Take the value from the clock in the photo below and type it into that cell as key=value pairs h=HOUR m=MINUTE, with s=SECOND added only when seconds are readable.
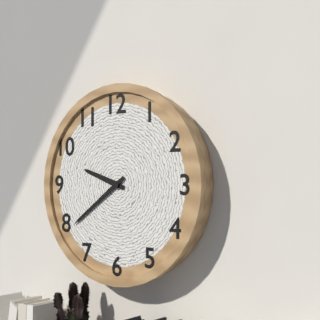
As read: h=9 m=39
